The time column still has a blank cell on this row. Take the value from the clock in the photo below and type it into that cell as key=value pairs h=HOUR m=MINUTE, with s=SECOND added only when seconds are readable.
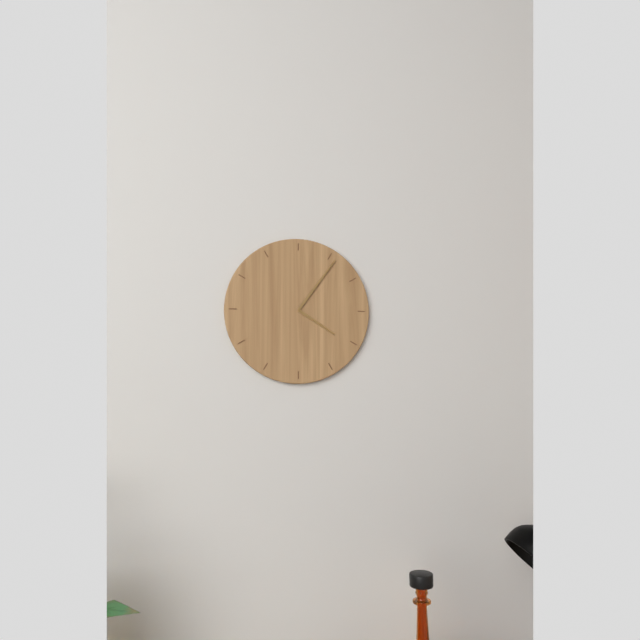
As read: h=4 m=6
